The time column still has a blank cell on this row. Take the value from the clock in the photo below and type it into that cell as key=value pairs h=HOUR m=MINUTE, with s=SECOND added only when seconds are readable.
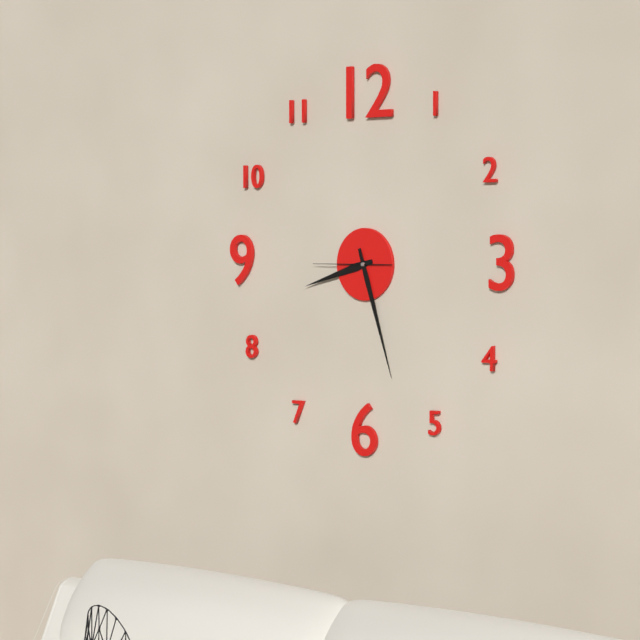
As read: h=8 m=27 s=45
